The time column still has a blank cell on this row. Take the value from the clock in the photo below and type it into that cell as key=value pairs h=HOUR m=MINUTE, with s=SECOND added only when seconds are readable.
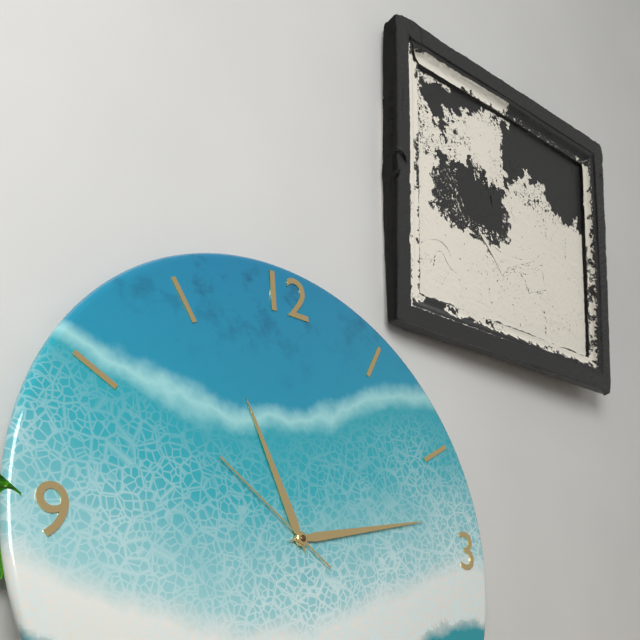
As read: h=11 m=13 s=51
